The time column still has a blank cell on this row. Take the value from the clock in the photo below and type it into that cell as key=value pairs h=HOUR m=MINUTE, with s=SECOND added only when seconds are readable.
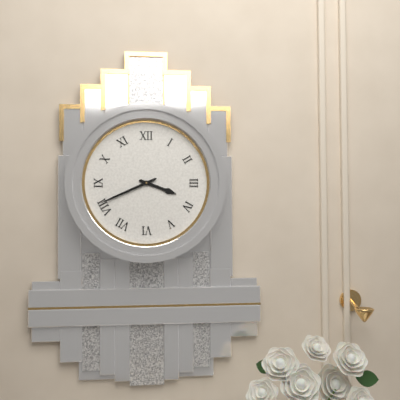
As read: h=3 m=41
